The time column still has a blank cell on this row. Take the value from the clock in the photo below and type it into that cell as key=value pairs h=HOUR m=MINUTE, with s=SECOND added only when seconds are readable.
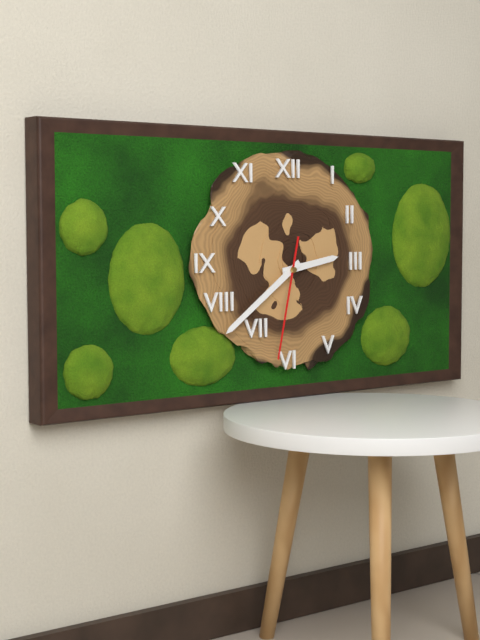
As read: h=2 m=39 s=32
